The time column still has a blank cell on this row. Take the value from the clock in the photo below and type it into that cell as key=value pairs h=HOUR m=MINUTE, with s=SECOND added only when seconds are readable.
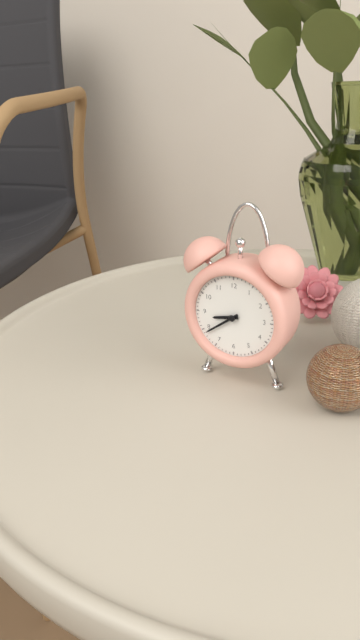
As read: h=8 m=39
